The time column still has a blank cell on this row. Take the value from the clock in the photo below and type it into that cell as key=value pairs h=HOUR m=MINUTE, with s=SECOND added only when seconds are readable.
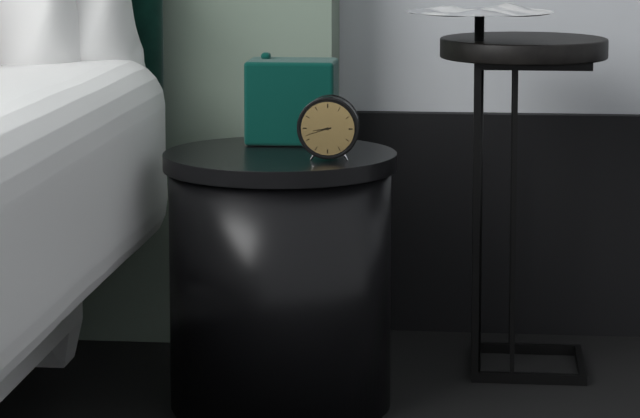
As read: h=8 m=42
